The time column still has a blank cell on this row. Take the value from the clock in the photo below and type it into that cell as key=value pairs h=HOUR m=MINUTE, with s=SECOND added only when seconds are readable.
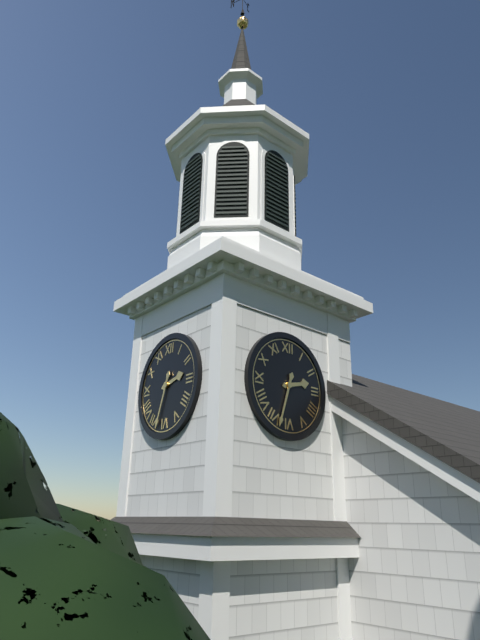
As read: h=2 m=33
